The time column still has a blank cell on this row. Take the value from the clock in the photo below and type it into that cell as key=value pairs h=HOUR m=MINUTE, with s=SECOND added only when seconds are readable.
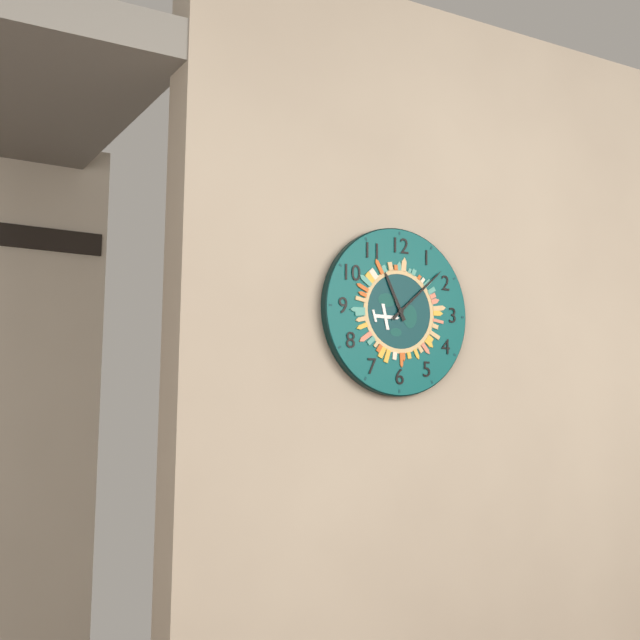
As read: h=11 m=8
